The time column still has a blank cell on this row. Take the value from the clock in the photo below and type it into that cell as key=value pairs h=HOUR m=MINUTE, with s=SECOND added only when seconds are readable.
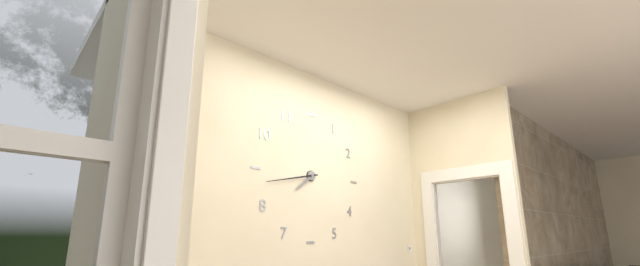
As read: h=7 m=43
